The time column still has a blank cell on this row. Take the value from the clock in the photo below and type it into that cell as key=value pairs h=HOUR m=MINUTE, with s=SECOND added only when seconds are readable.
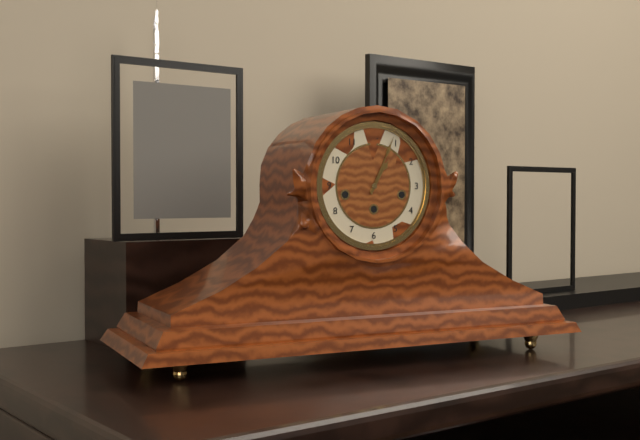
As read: h=1 m=4
